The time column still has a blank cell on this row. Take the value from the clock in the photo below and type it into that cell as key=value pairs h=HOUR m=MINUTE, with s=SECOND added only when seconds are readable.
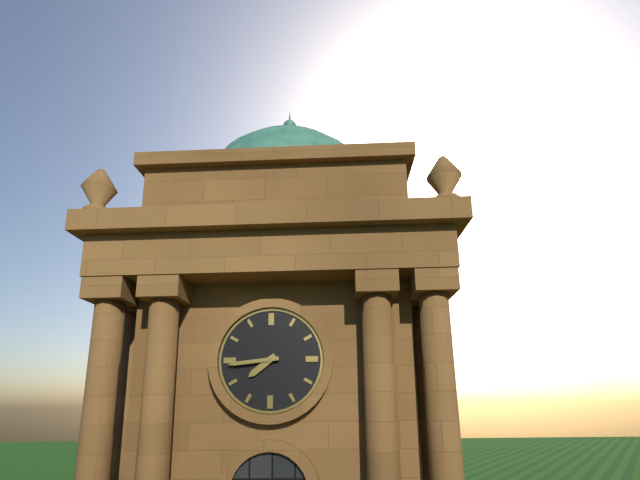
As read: h=7 m=44
